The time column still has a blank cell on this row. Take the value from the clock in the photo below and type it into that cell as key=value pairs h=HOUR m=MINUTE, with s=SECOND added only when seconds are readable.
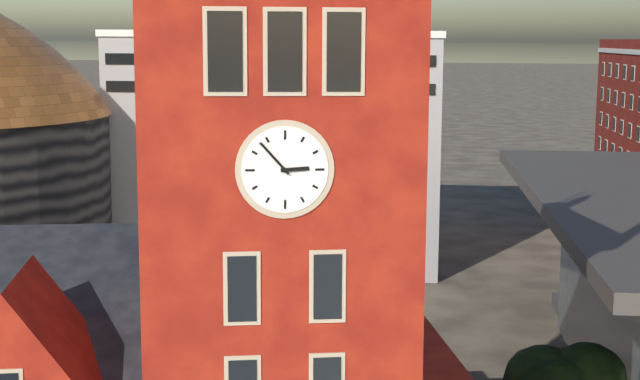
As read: h=2 m=53
